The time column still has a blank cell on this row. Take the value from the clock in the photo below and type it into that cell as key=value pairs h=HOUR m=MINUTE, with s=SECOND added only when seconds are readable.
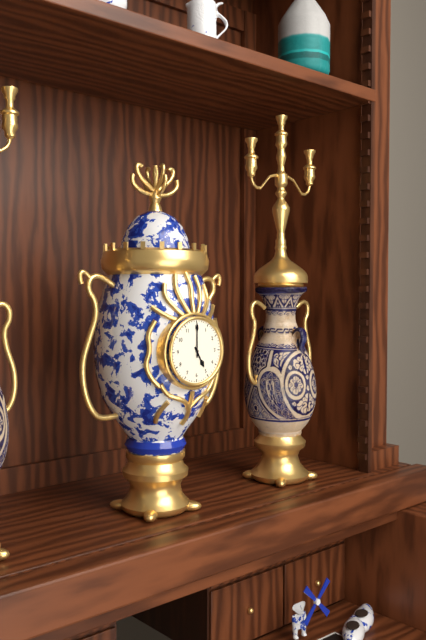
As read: h=5 m=0
